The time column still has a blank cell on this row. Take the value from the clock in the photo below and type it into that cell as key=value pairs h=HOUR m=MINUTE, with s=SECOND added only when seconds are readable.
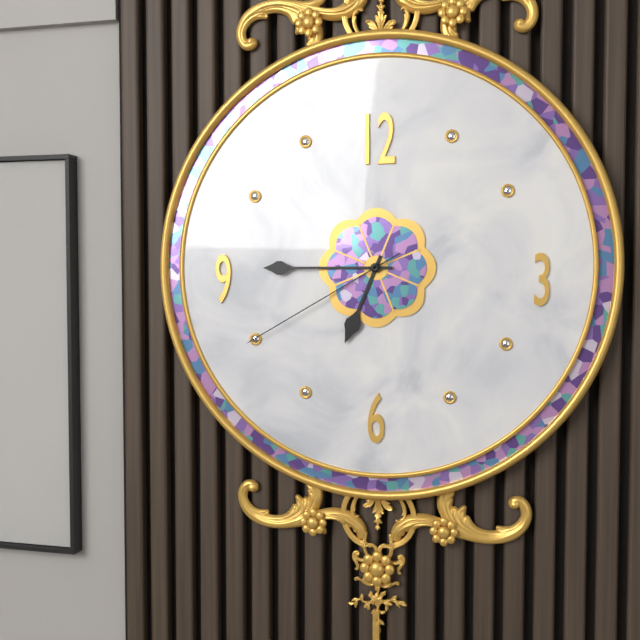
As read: h=6 m=45 s=40
